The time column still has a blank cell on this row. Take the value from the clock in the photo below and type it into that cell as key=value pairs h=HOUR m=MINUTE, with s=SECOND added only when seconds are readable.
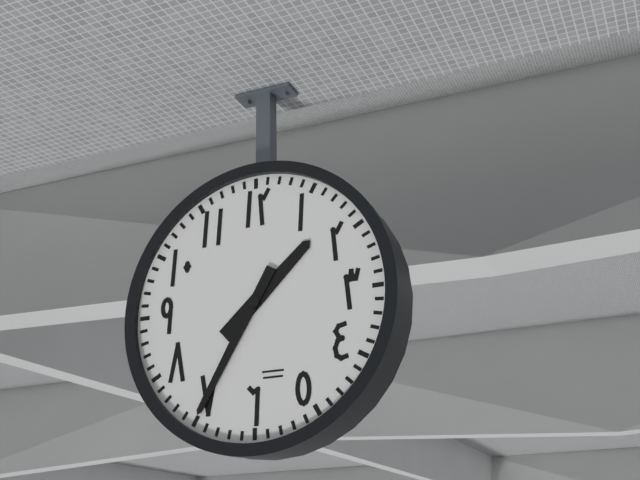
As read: h=1 m=35
